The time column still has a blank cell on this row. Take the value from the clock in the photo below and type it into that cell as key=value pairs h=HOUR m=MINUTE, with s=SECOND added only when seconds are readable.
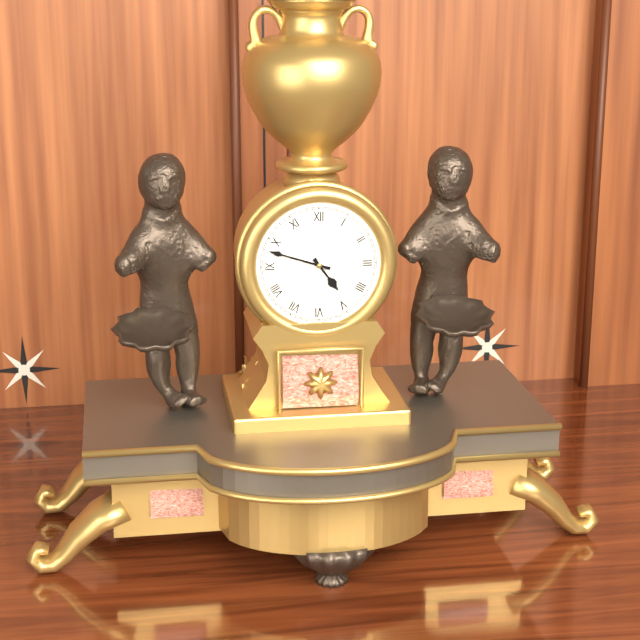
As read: h=4 m=48
